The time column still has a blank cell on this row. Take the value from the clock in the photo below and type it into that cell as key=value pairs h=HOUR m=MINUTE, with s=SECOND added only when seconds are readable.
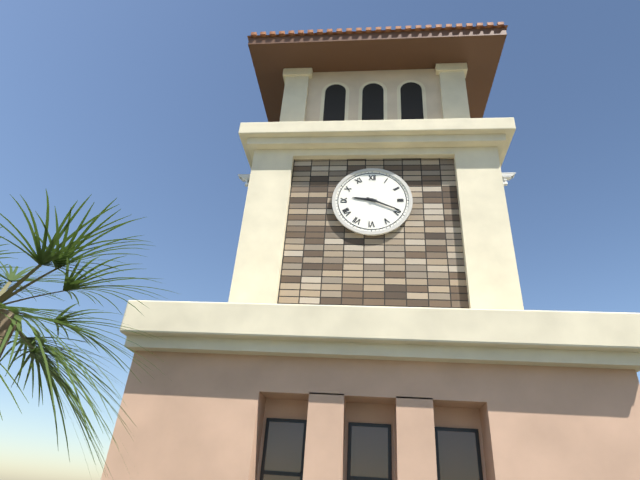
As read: h=9 m=19
